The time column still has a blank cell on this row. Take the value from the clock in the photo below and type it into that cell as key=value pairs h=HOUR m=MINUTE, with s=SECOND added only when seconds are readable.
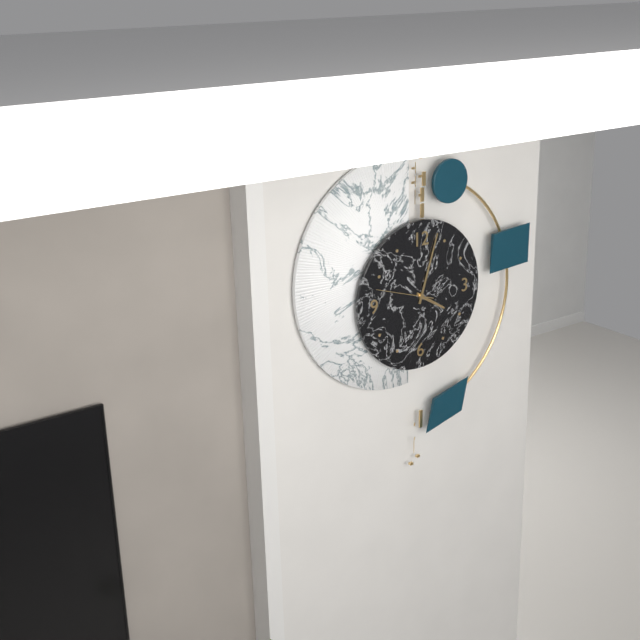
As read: h=4 m=3
